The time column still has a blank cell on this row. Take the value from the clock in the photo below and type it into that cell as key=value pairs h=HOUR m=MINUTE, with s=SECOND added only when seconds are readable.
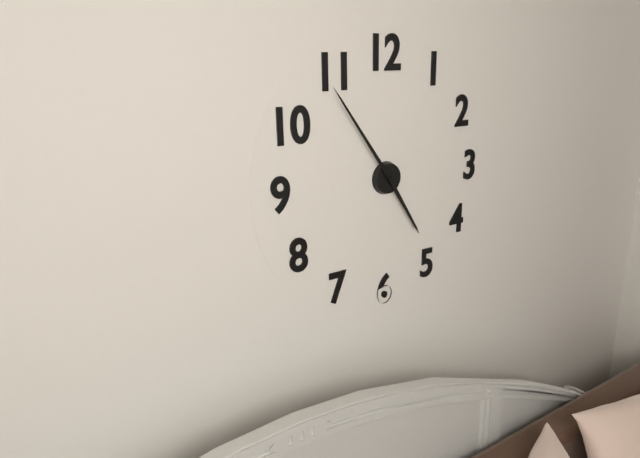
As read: h=4 m=54
